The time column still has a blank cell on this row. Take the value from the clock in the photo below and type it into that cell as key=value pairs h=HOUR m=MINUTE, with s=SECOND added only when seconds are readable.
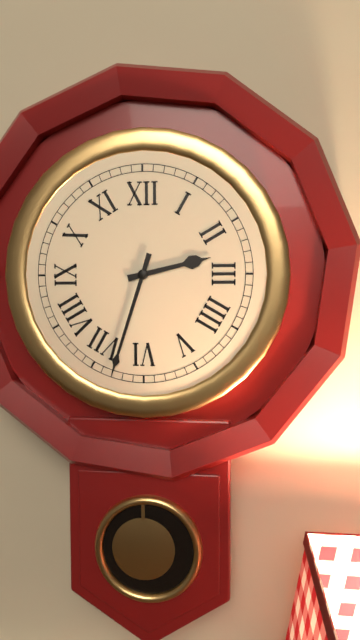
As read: h=2 m=33
